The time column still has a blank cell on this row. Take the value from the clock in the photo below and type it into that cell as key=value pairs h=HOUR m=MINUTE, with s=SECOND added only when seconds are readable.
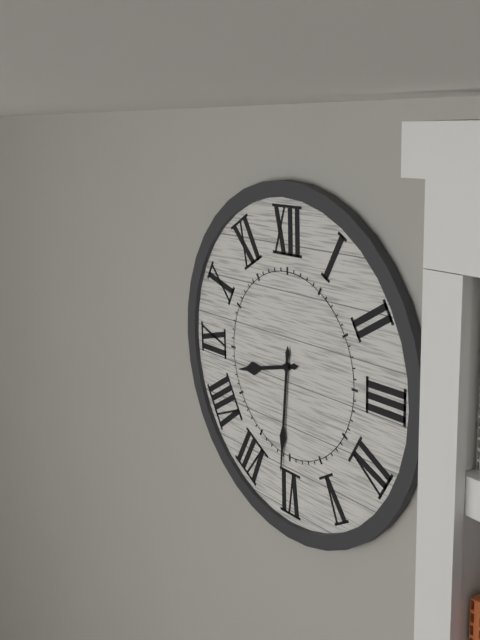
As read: h=8 m=31
